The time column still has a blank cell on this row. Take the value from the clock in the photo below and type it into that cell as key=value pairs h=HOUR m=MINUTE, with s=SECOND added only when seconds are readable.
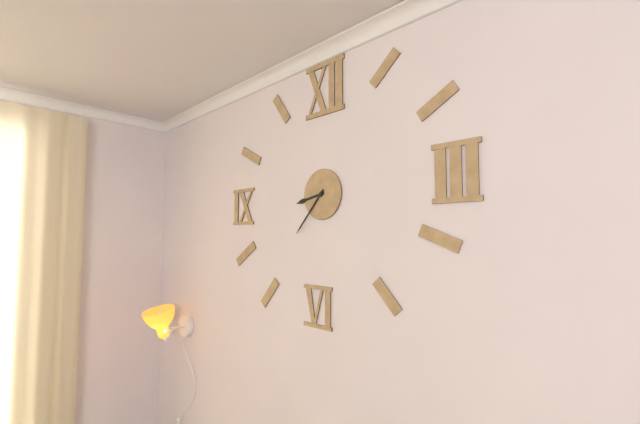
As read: h=8 m=37
